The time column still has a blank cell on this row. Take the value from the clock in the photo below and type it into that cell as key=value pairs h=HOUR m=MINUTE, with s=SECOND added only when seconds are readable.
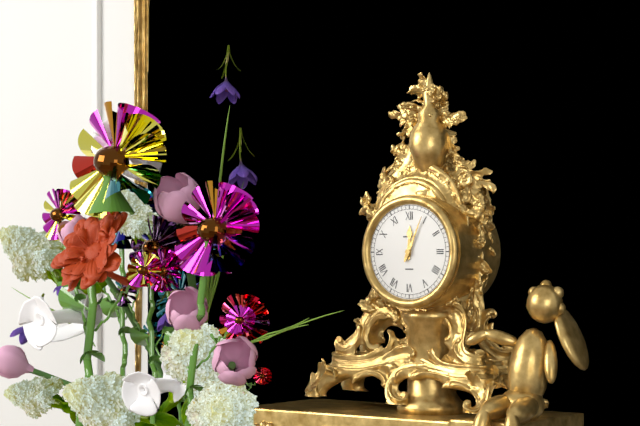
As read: h=12 m=4
